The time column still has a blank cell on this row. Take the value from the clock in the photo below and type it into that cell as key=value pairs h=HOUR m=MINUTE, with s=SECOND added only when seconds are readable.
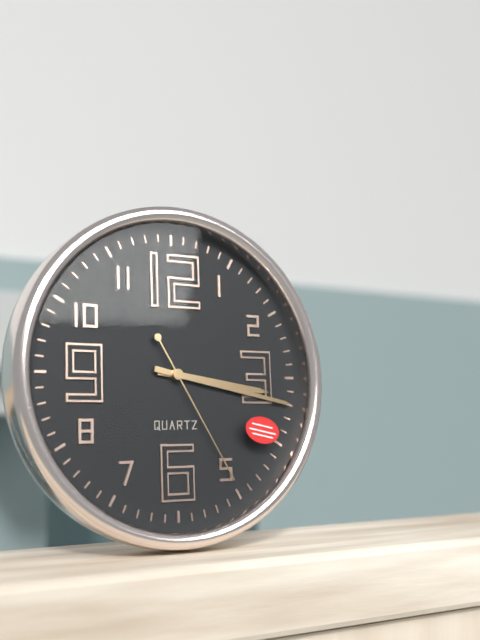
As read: h=3 m=17 s=25
